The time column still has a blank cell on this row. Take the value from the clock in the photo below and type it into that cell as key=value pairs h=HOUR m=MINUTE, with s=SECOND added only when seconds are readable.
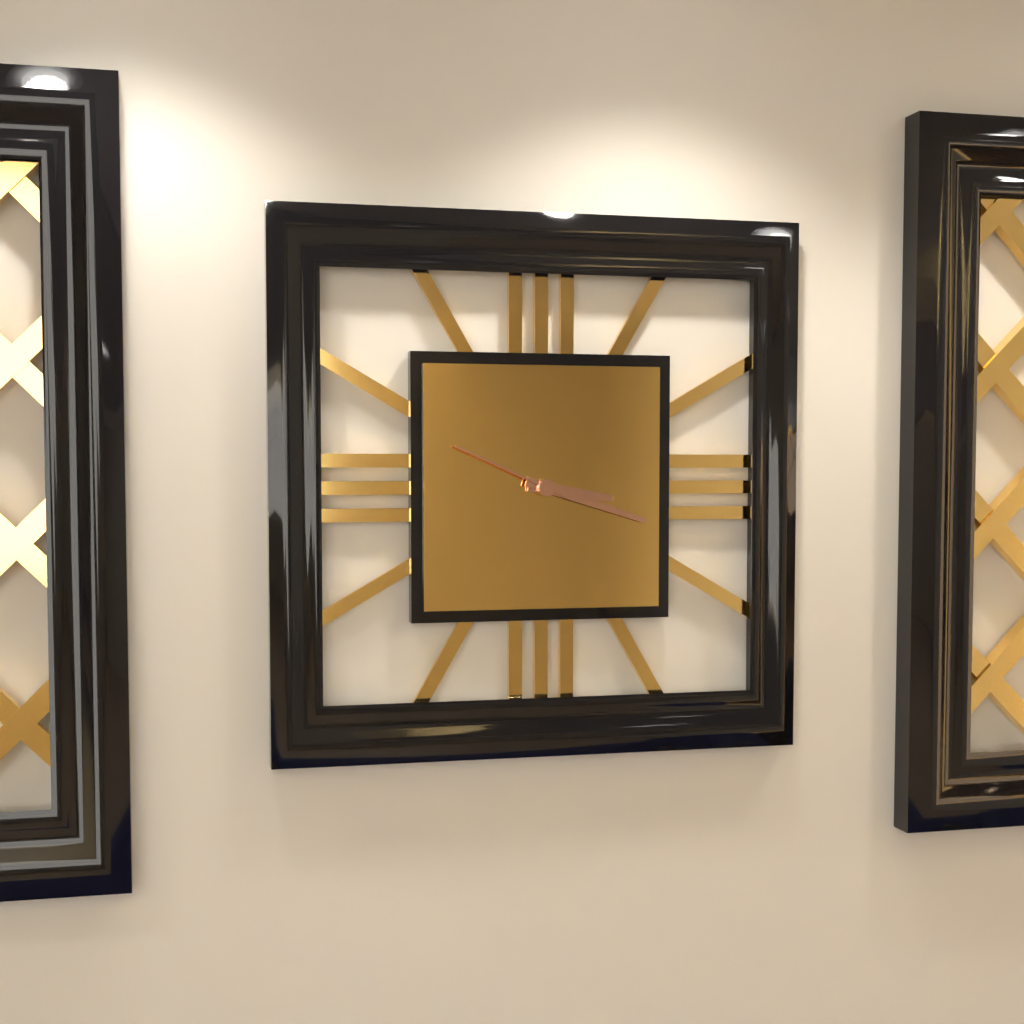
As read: h=3 m=18 s=49
